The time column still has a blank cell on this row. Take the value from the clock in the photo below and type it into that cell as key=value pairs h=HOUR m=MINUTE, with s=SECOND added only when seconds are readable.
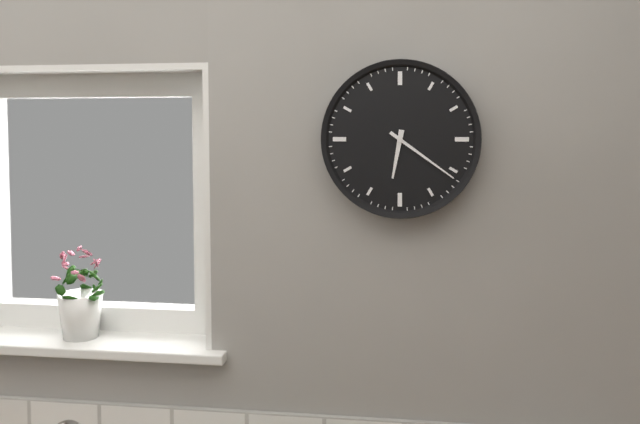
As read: h=6 m=21
